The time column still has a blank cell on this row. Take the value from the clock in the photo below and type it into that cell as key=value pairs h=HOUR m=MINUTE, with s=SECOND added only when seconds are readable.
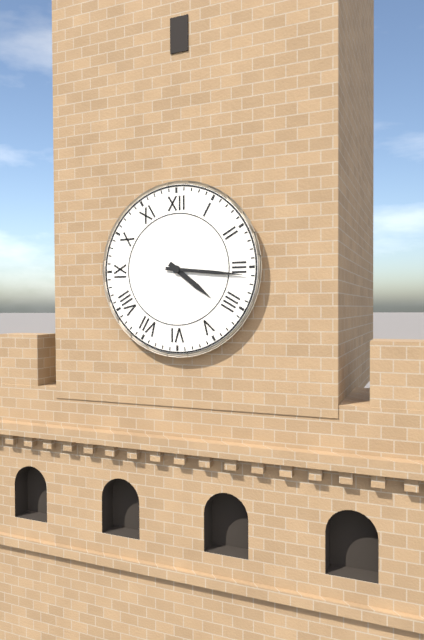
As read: h=4 m=16
